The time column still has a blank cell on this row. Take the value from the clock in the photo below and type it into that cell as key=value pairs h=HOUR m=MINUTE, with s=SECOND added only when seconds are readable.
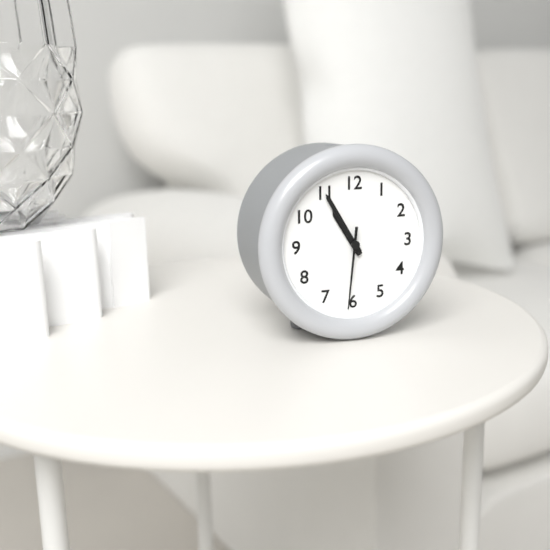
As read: h=10 m=55 s=31
